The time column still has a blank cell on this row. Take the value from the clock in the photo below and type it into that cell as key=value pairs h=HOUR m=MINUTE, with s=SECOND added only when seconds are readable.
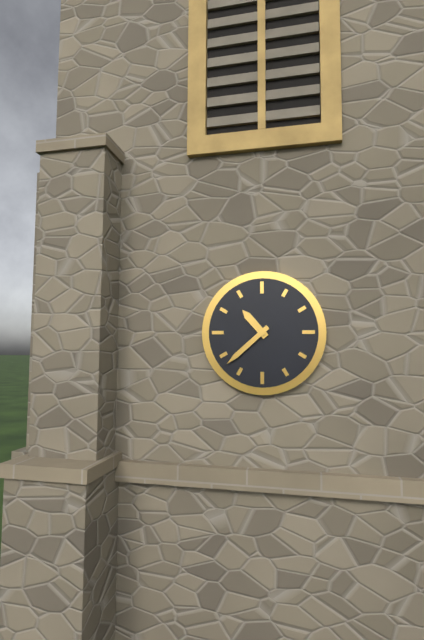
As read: h=10 m=38
